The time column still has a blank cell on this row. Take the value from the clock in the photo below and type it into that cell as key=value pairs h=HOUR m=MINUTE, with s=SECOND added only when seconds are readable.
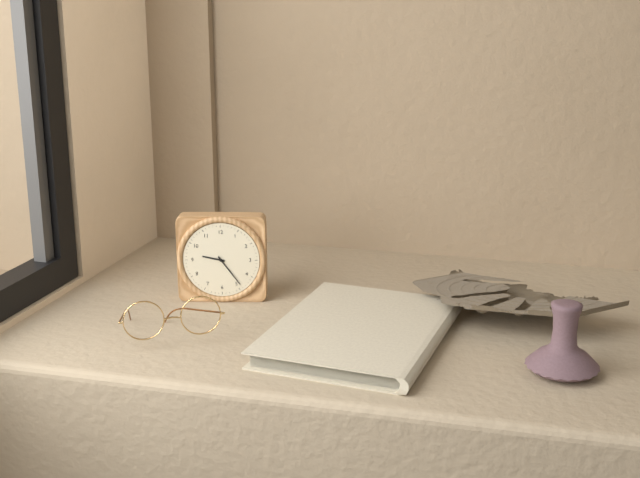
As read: h=9 m=24
